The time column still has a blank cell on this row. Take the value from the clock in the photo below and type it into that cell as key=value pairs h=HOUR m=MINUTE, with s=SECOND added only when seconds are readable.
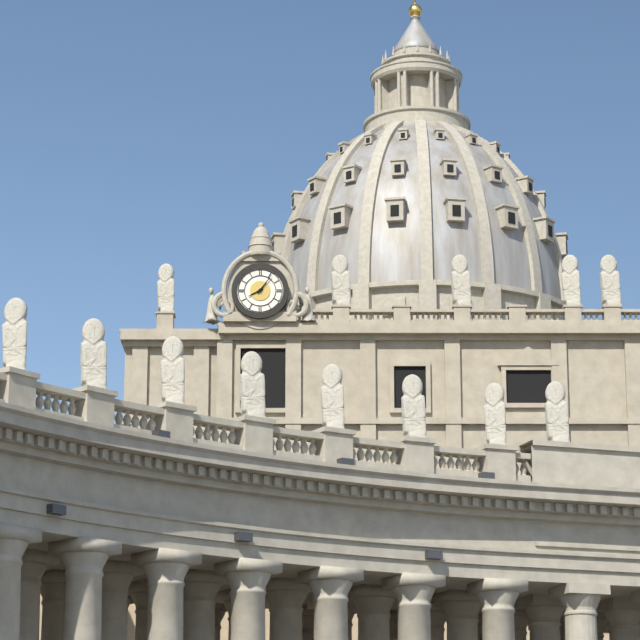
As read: h=8 m=6
